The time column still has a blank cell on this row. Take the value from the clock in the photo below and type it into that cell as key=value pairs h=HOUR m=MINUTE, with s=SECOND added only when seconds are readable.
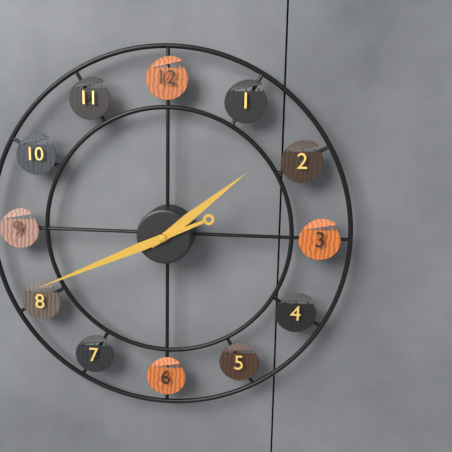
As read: h=1 m=41
